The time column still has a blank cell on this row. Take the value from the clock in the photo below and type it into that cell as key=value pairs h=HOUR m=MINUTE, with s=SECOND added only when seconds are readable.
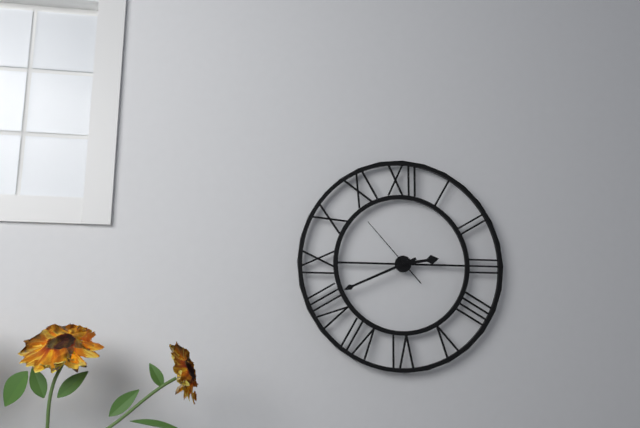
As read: h=2 m=41 s=53
